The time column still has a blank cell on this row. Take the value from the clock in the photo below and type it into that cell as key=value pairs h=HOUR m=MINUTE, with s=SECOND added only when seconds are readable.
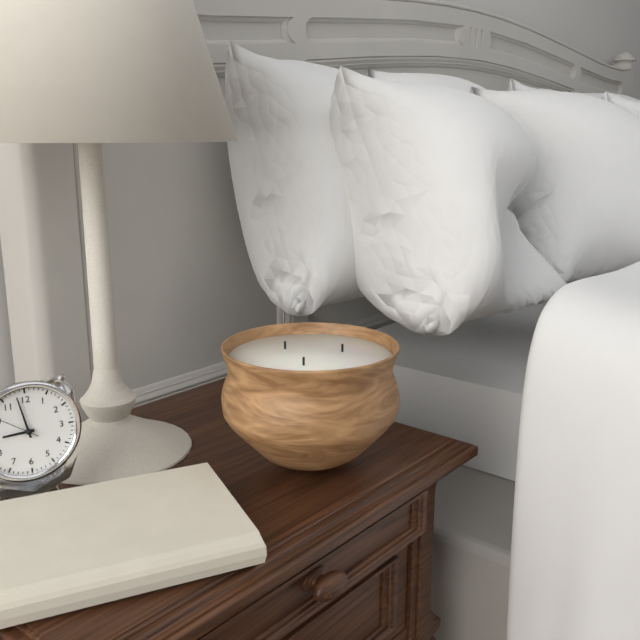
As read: h=8 m=58
